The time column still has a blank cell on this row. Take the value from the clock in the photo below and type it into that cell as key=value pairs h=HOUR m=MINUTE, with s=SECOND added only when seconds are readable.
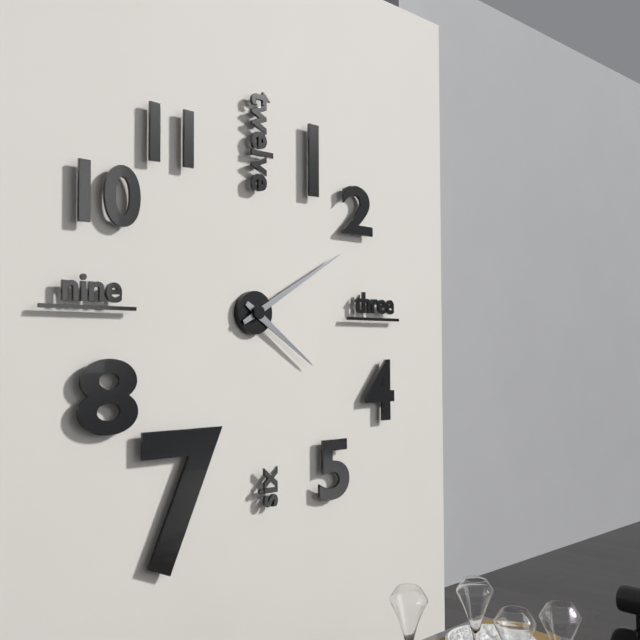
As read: h=4 m=10
